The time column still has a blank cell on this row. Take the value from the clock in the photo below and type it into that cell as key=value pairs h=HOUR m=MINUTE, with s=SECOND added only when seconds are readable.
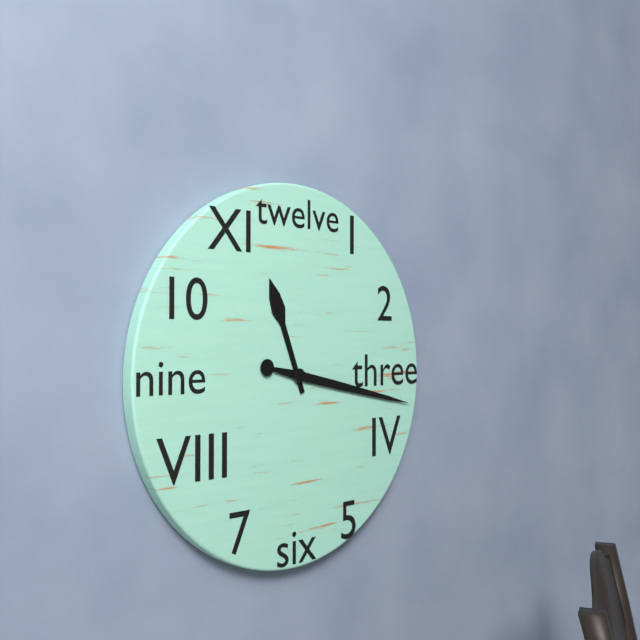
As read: h=11 m=17
